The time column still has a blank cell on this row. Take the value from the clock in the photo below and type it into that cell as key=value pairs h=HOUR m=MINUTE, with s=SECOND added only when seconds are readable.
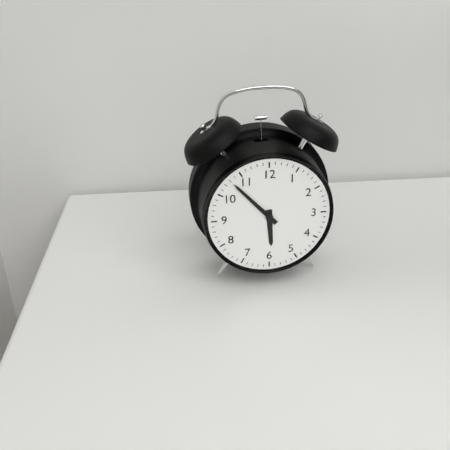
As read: h=5 m=53
